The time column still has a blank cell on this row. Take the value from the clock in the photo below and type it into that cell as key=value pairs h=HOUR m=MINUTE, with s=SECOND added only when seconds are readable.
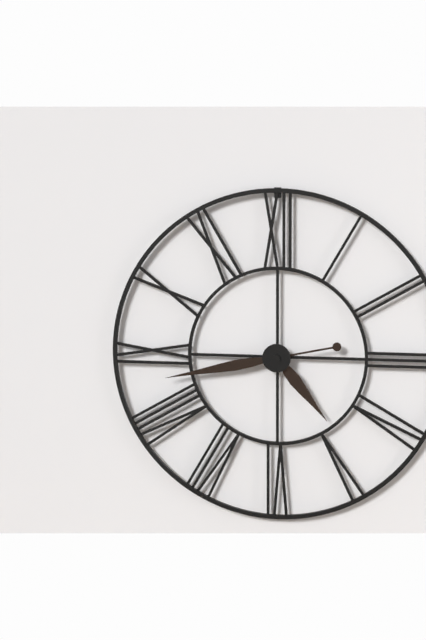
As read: h=4 m=43
